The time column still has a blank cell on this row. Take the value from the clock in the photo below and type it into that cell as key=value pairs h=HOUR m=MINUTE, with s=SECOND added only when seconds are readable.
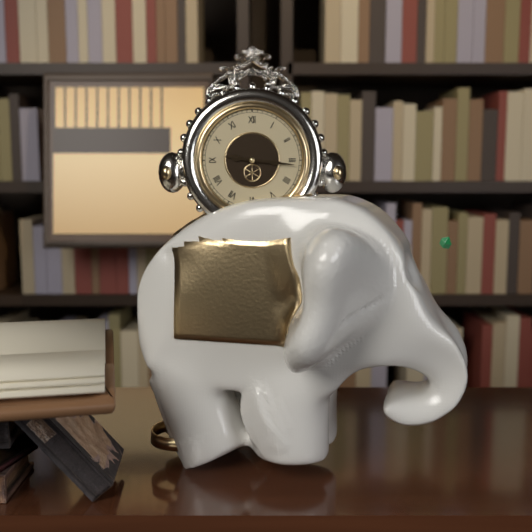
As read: h=9 m=16
